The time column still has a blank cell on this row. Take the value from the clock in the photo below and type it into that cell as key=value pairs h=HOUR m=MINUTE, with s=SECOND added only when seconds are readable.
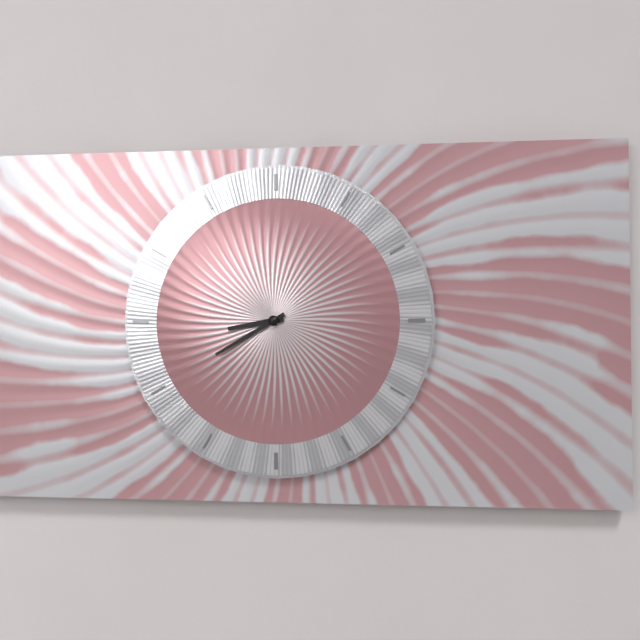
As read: h=8 m=40
